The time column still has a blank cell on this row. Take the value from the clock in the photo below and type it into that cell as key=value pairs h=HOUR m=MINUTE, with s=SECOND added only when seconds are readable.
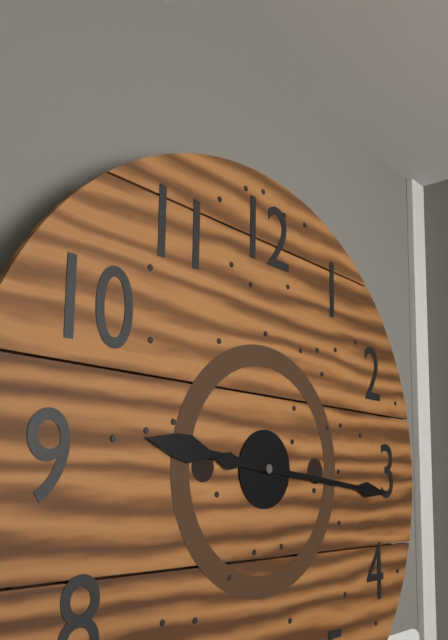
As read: h=9 m=16
